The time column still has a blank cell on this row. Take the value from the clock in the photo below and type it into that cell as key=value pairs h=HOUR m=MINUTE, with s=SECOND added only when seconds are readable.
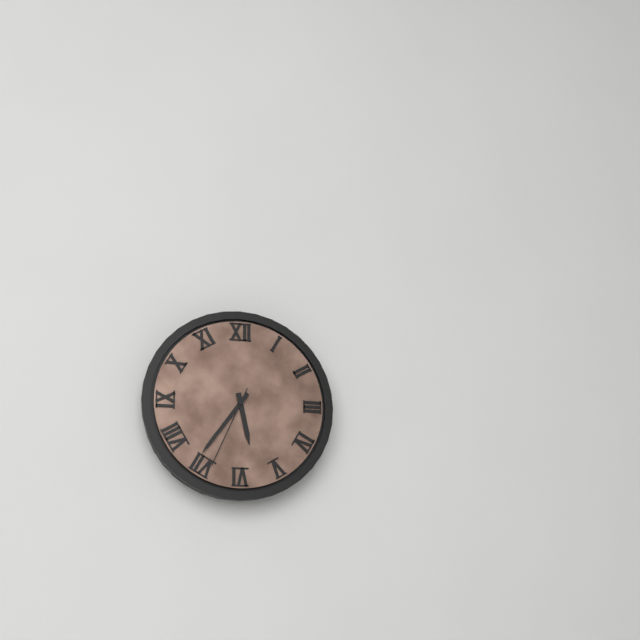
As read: h=5 m=36 s=34
